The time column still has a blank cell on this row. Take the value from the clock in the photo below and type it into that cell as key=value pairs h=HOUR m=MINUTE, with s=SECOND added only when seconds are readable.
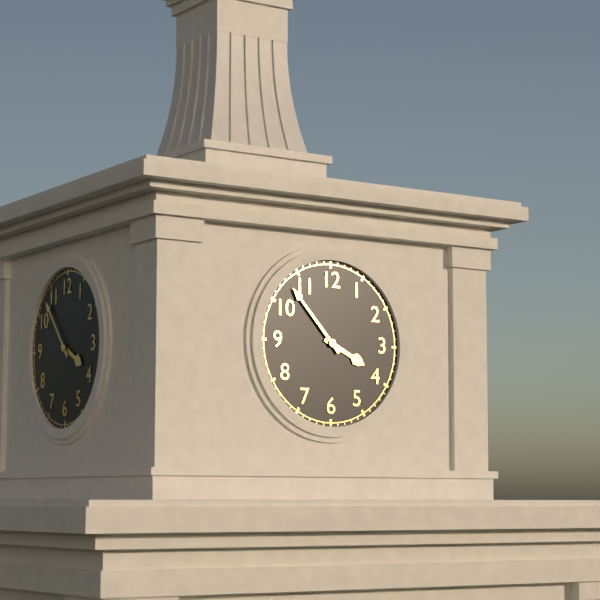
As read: h=3 m=53
